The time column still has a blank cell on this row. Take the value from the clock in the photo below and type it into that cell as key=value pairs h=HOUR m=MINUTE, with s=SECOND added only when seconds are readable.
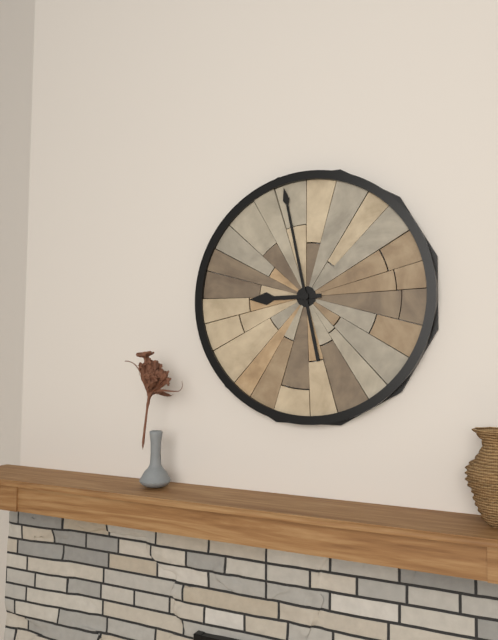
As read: h=8 m=58
